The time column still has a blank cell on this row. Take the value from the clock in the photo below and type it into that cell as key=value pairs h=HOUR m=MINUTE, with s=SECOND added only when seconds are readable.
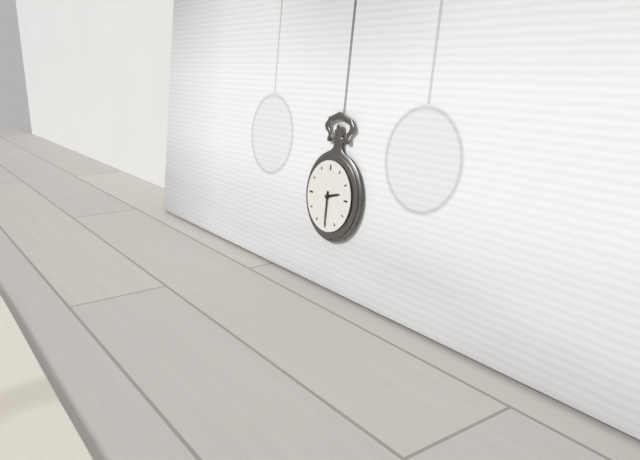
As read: h=2 m=30
